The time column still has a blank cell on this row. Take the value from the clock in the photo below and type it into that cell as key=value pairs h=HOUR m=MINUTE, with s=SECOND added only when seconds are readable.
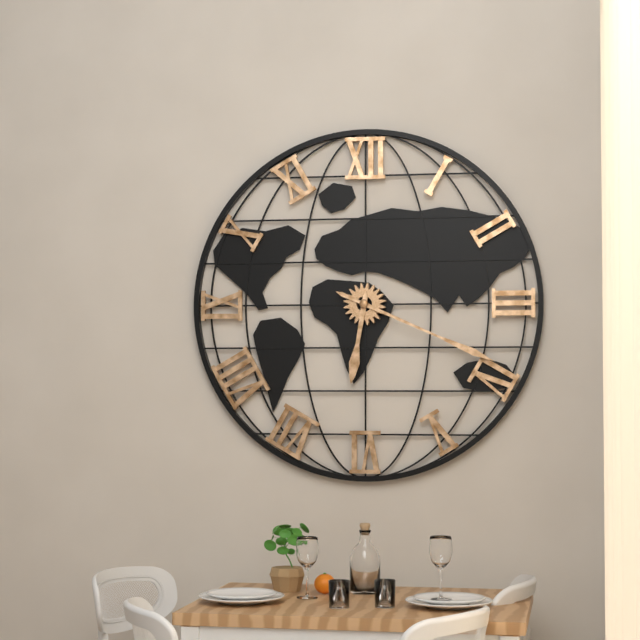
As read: h=6 m=19
